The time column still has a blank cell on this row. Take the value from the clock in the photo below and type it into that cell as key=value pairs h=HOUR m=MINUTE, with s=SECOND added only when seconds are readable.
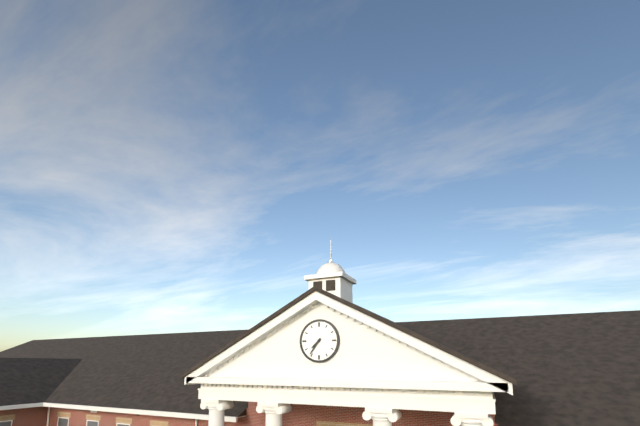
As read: h=7 m=36
